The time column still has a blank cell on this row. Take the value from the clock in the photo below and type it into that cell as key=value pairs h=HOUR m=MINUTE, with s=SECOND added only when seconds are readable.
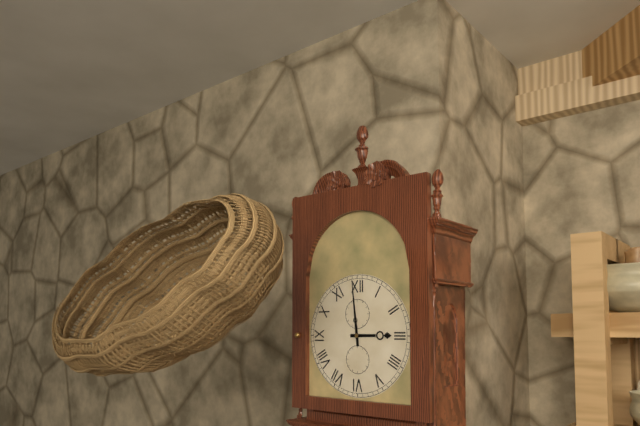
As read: h=2 m=59
